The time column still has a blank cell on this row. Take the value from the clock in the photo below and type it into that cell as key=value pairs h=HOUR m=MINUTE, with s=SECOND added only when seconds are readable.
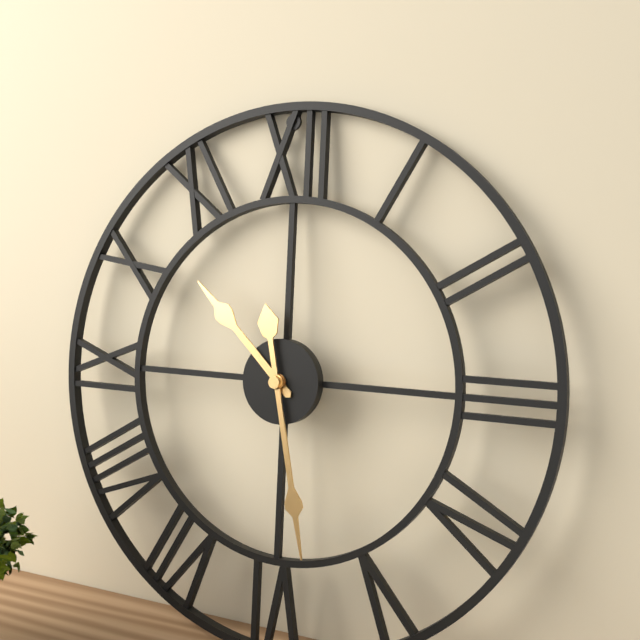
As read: h=10 m=28
